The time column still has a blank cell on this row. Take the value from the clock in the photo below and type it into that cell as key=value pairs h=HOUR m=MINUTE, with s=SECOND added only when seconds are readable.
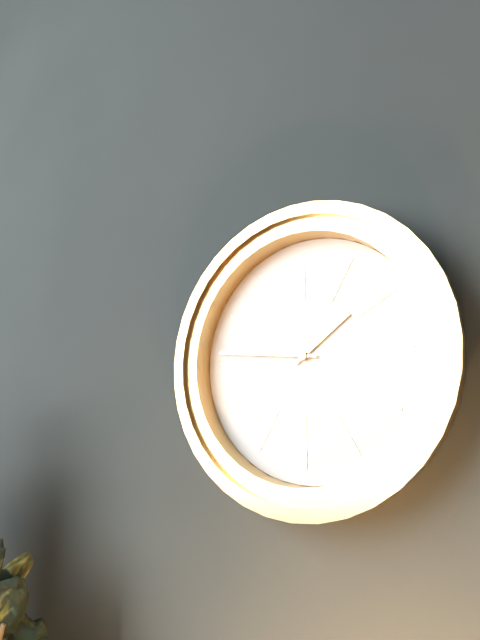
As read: h=1 m=46
